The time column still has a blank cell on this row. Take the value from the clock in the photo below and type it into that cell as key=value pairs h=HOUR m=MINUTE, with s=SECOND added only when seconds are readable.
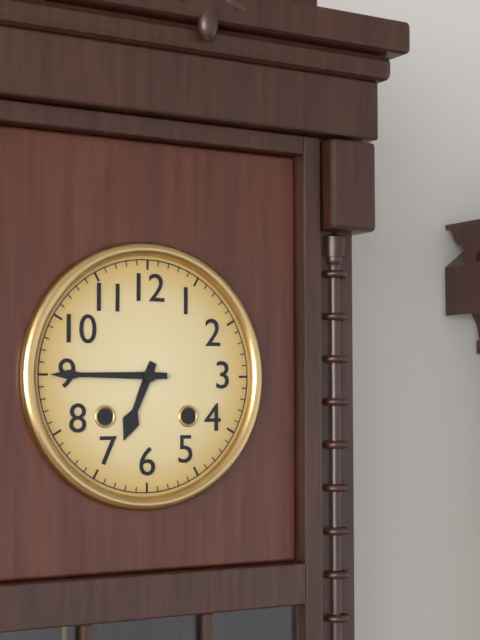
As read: h=6 m=45
